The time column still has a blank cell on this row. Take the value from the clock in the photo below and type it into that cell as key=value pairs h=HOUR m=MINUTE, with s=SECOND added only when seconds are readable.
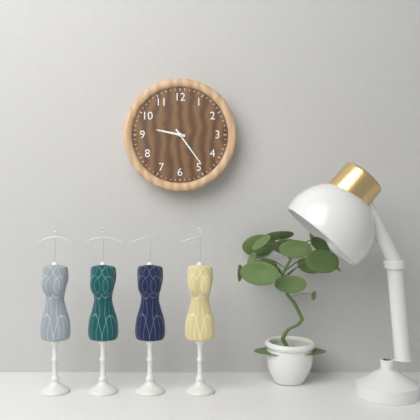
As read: h=9 m=24
